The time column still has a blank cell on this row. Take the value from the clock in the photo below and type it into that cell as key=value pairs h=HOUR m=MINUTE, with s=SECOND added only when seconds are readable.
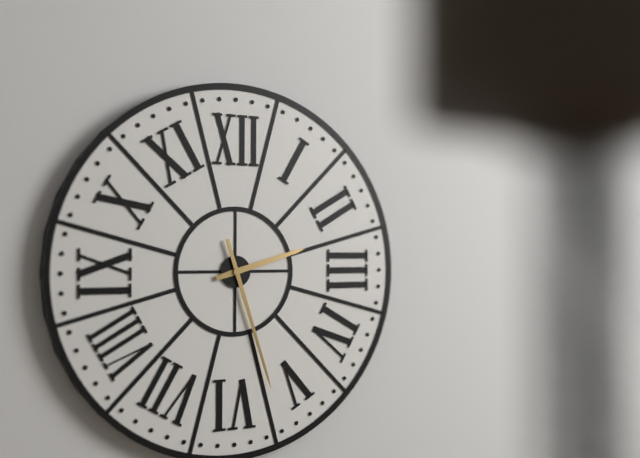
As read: h=2 m=27
